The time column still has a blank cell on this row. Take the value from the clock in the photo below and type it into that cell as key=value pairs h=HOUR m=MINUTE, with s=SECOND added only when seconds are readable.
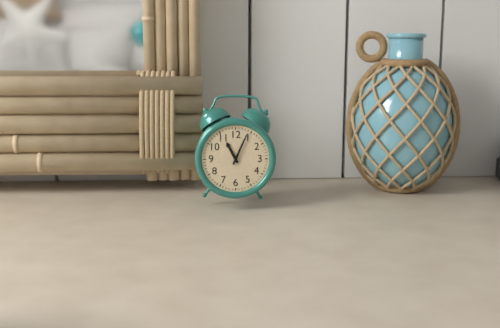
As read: h=11 m=4
